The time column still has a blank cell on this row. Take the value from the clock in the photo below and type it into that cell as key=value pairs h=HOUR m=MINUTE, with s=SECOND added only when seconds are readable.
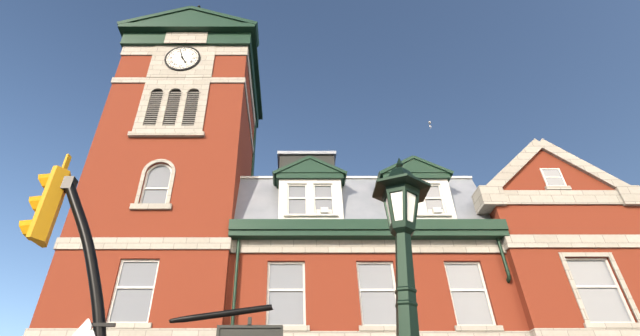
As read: h=4 m=57
